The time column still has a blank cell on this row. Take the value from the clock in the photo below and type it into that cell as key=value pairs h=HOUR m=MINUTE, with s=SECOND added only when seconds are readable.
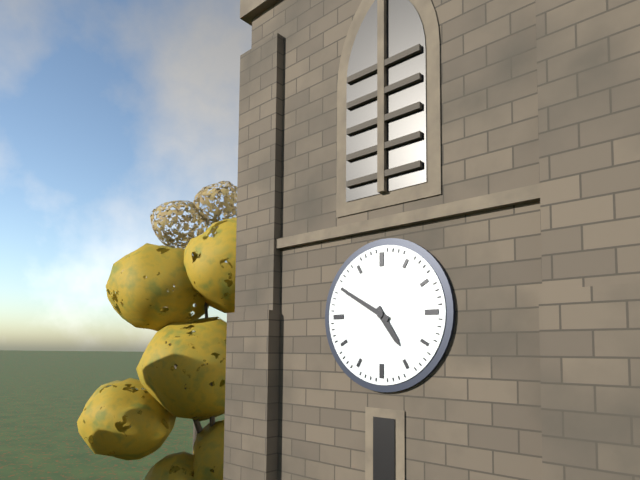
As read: h=4 m=50
